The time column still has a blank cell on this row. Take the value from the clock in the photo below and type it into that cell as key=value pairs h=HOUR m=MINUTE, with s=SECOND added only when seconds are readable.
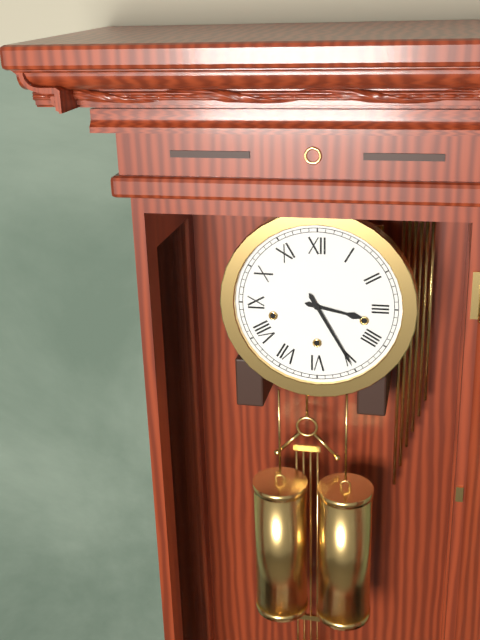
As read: h=3 m=25
